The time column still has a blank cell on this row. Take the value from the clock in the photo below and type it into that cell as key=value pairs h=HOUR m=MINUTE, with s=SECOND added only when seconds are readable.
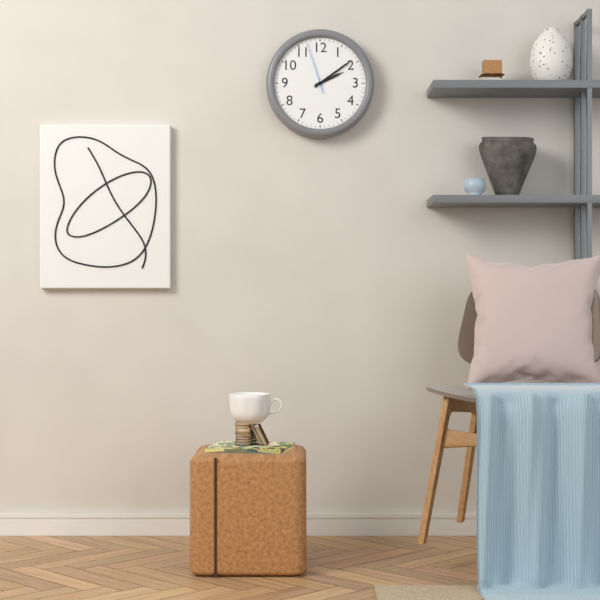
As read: h=2 m=9 s=57
